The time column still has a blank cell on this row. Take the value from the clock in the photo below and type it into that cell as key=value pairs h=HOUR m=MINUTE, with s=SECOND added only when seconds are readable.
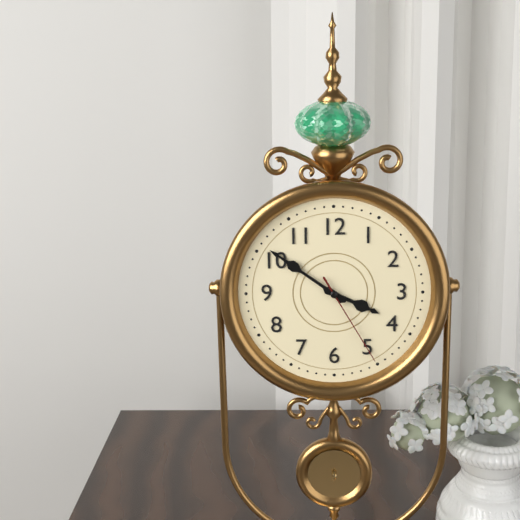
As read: h=3 m=51 s=25
